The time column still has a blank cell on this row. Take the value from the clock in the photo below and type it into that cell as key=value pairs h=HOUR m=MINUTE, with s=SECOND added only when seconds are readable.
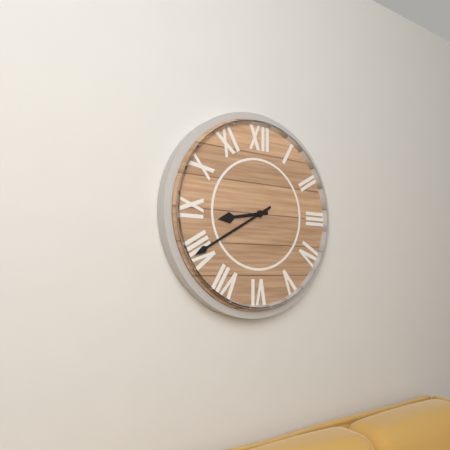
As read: h=8 m=40
